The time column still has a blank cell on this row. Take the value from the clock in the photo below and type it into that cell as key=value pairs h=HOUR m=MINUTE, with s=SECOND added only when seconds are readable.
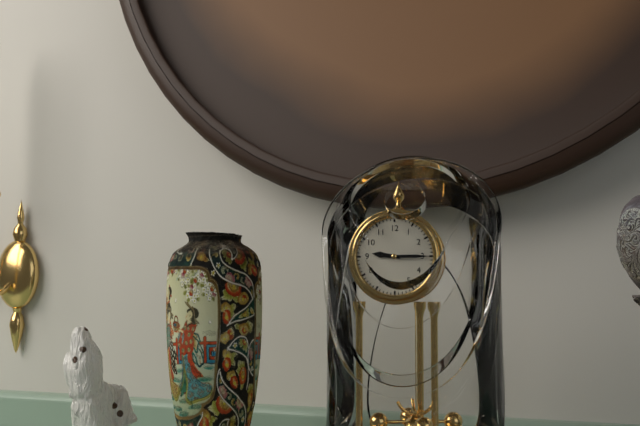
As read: h=9 m=15
